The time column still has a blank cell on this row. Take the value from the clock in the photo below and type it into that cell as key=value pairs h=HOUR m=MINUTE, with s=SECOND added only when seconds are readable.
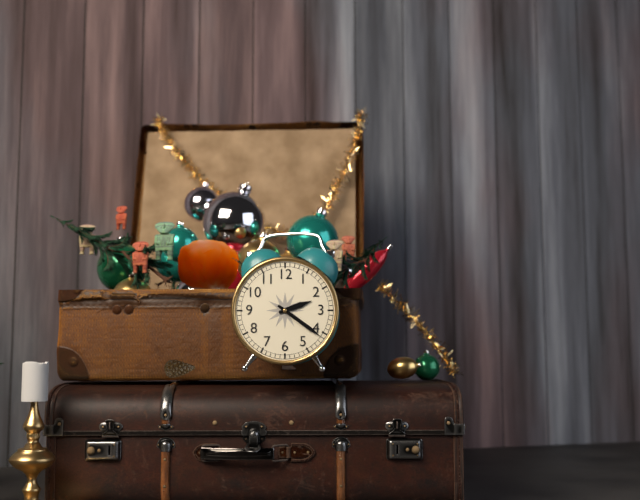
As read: h=2 m=21
